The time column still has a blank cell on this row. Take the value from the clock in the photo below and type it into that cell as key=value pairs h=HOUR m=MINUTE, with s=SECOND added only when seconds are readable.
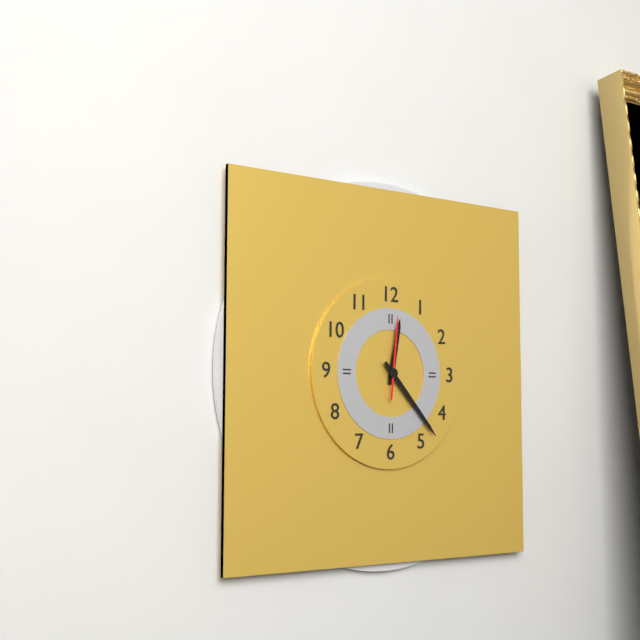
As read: h=12 m=23 s=1
